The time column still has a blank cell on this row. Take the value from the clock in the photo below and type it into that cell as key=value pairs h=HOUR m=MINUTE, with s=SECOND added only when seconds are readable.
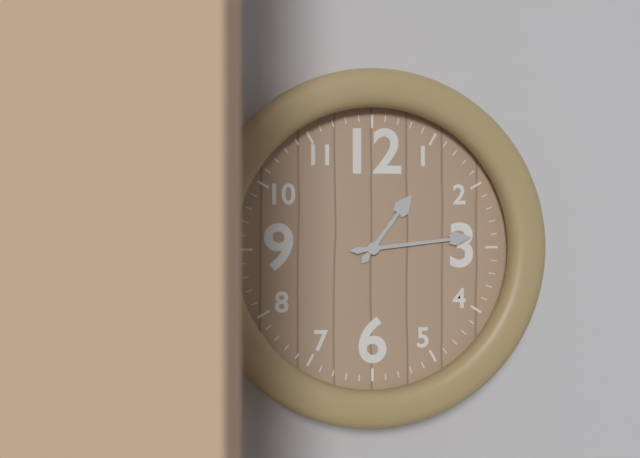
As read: h=1 m=14
